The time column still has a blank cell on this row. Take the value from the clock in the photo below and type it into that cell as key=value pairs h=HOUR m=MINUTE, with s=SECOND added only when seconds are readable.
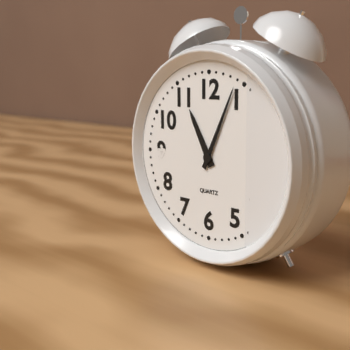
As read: h=11 m=4
